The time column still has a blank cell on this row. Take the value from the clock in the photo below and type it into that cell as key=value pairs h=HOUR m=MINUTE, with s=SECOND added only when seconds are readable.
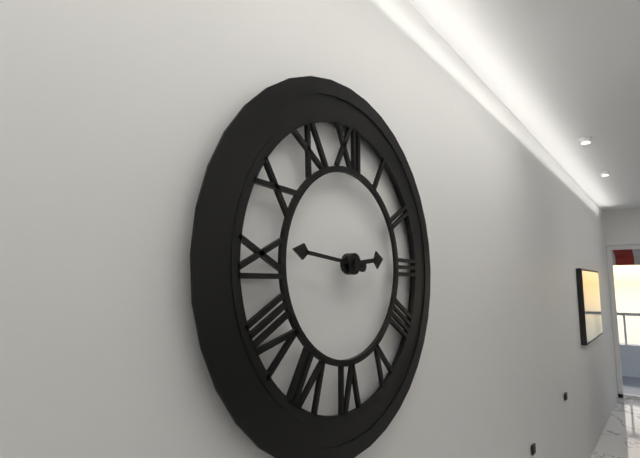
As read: h=2 m=46
